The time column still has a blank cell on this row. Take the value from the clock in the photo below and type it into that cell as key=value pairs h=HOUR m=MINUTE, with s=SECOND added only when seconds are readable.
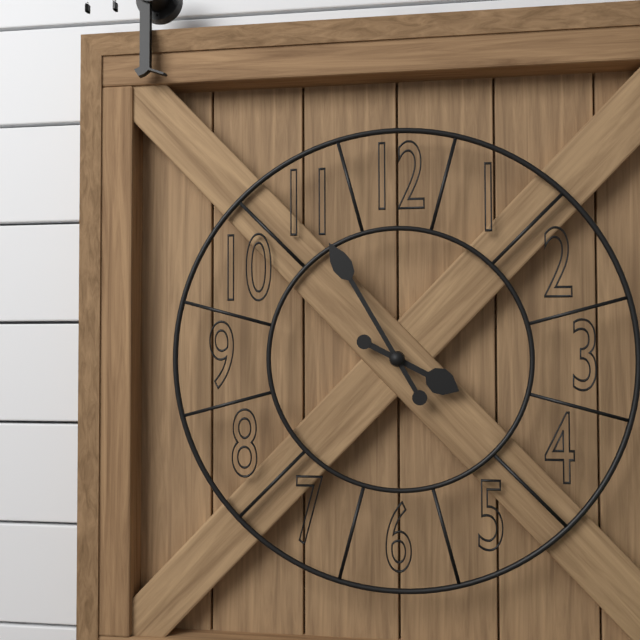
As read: h=3 m=55
